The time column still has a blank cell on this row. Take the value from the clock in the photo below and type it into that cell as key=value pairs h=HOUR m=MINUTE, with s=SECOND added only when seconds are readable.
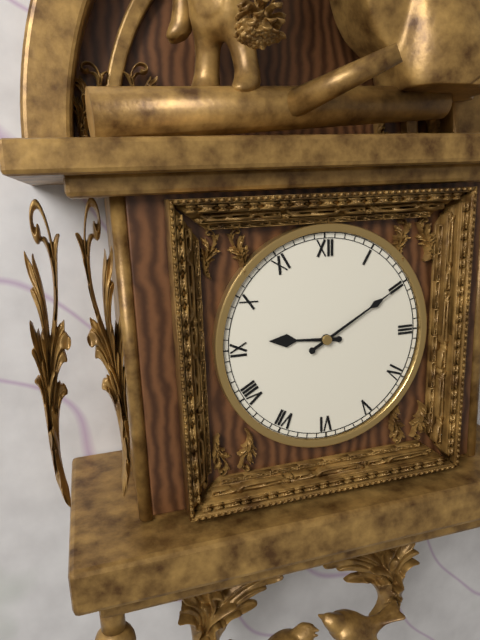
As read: h=9 m=10
